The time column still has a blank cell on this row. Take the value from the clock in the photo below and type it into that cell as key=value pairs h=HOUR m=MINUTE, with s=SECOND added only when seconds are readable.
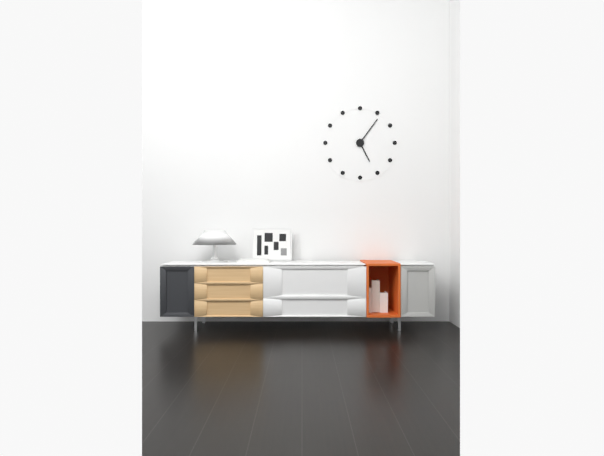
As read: h=5 m=6
